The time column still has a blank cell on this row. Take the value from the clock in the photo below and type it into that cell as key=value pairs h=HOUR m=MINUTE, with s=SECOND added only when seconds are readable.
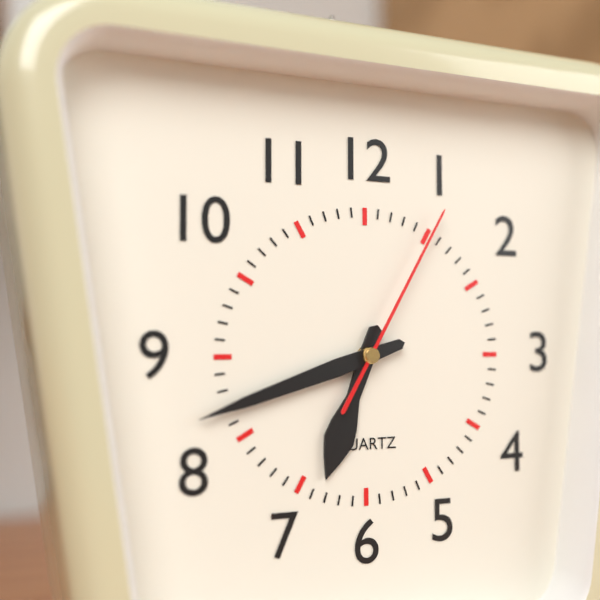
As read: h=6 m=42 s=5
